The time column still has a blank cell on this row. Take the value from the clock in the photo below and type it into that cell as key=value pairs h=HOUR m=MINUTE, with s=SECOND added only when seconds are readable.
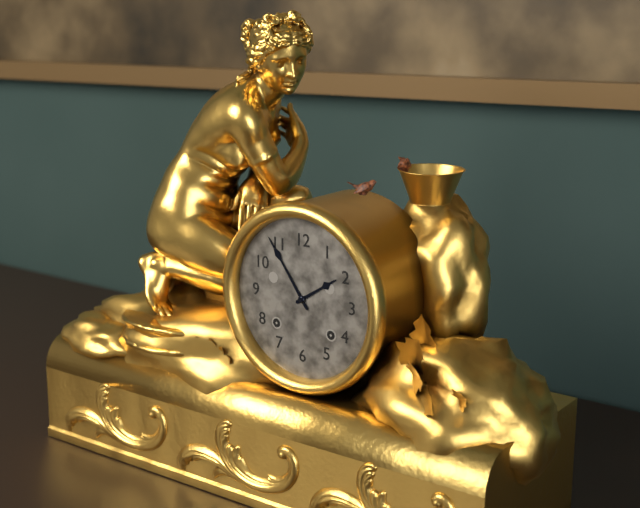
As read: h=1 m=54
